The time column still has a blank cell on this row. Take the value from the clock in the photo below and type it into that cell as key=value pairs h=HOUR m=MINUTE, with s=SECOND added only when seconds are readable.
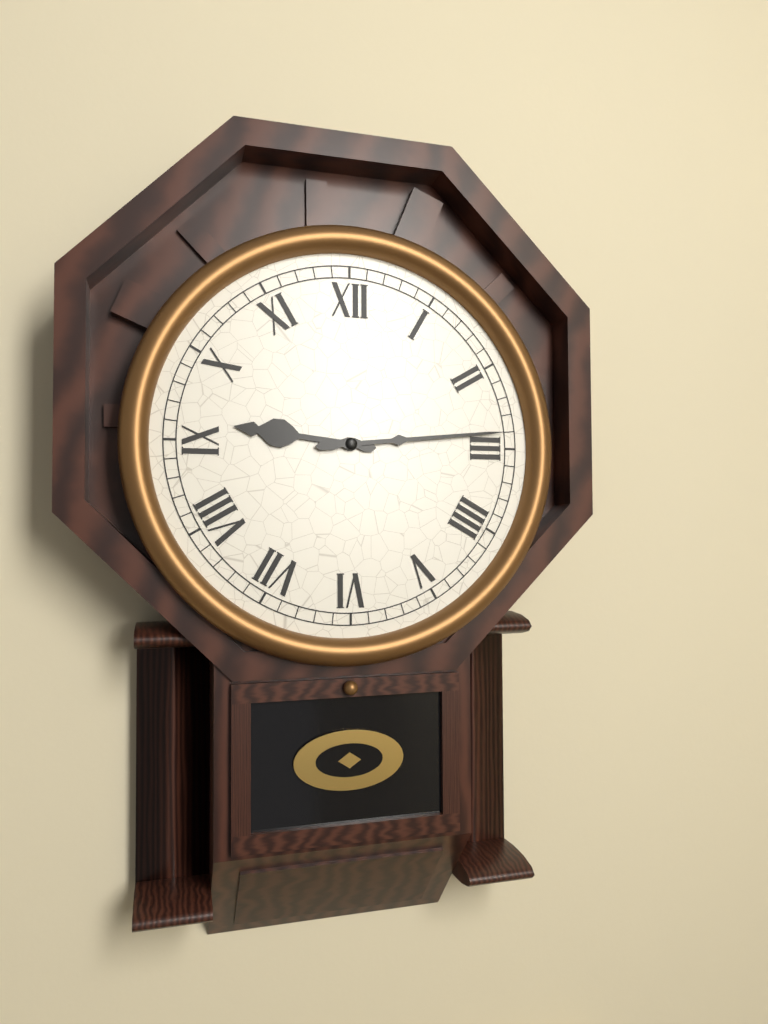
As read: h=9 m=14
